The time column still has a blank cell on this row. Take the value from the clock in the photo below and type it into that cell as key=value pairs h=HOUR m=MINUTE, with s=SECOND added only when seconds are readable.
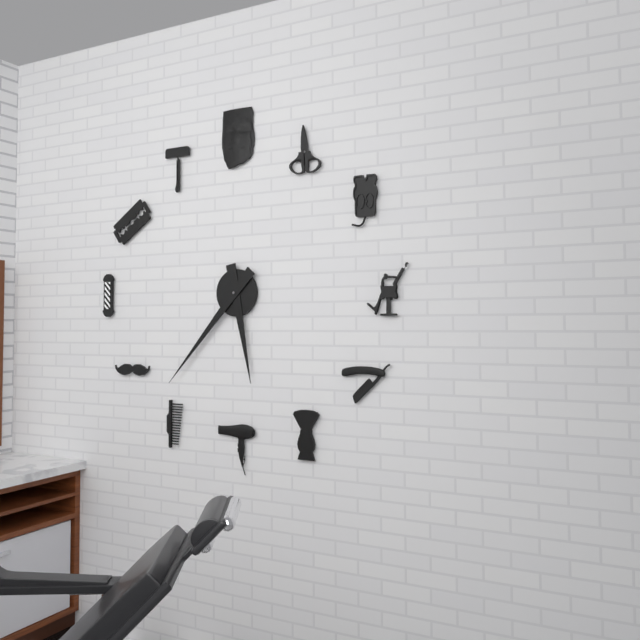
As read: h=5 m=37
